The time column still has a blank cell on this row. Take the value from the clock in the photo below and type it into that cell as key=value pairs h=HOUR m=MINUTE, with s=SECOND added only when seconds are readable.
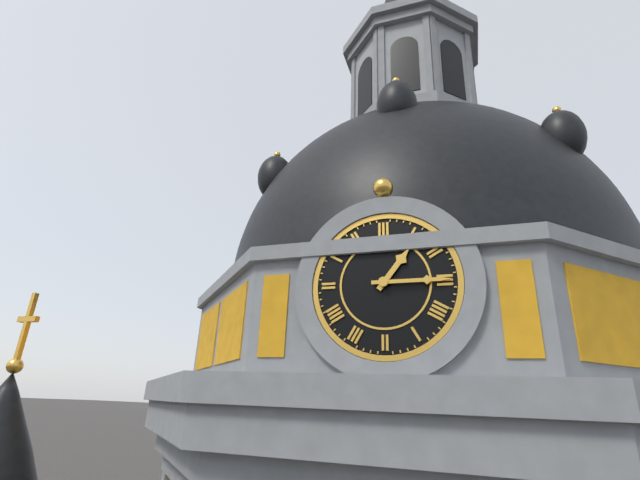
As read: h=1 m=15
